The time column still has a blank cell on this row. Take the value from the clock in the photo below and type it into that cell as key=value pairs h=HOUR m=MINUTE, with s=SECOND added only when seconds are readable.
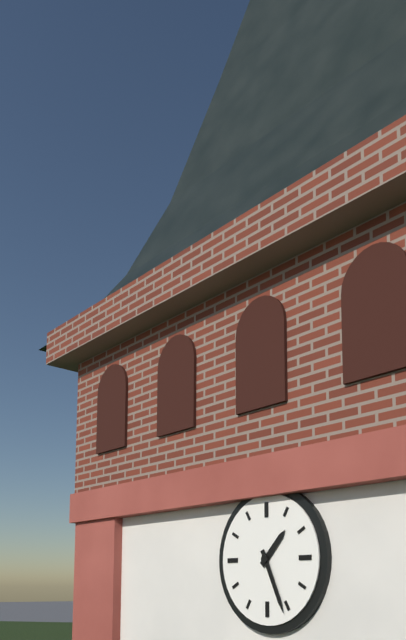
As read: h=1 m=26
